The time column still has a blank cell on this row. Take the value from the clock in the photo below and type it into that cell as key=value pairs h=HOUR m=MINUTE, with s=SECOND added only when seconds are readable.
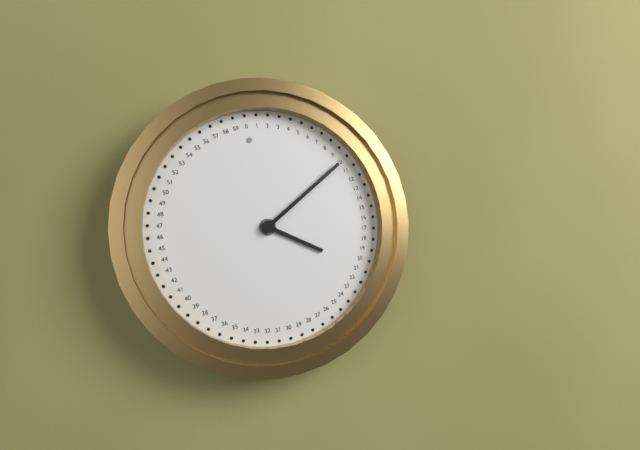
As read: h=4 m=10
